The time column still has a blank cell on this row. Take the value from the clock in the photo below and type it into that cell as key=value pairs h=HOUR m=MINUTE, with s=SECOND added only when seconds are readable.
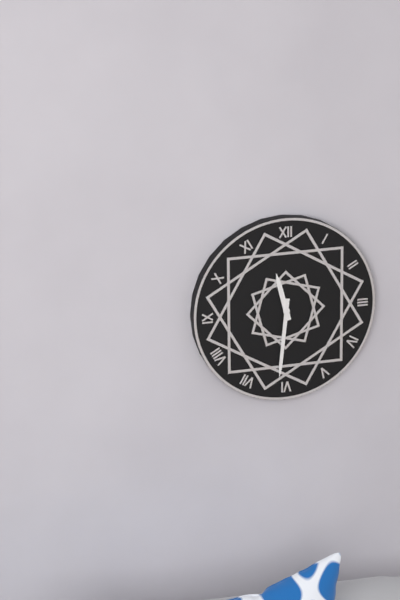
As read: h=11 m=31
